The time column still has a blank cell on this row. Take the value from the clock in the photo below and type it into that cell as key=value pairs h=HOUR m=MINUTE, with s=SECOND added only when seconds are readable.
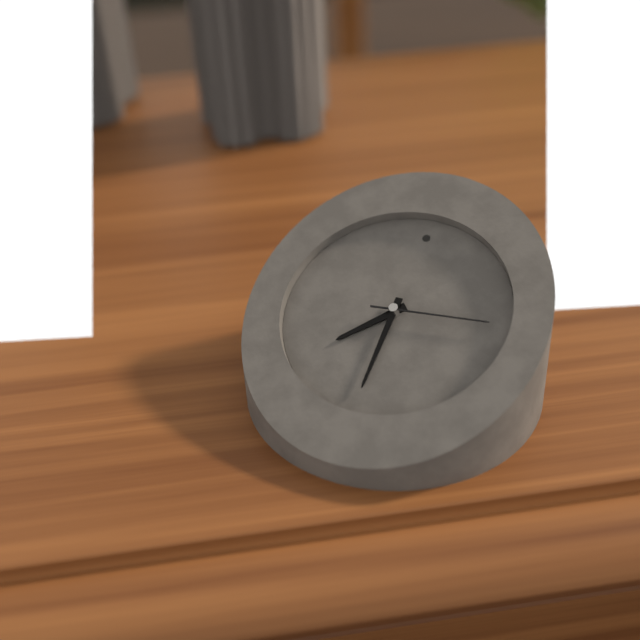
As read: h=7 m=30 s=14
